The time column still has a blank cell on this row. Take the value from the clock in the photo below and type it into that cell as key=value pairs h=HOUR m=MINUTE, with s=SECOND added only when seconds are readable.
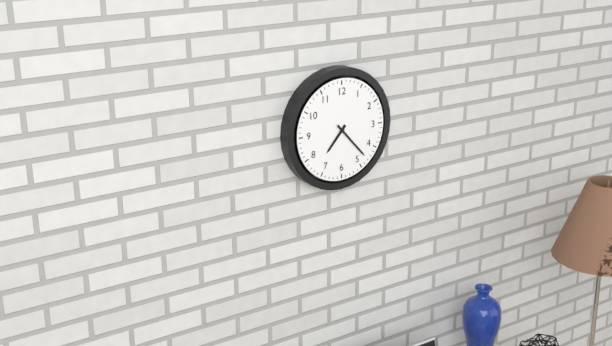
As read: h=7 m=23
